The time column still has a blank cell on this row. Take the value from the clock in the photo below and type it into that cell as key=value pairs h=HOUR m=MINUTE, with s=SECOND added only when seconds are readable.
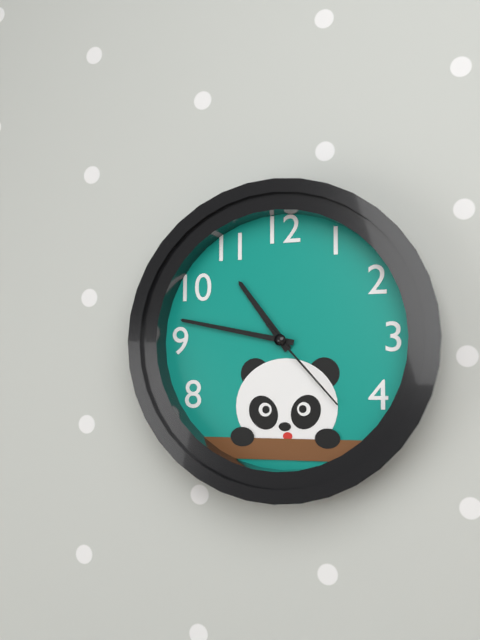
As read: h=10 m=47 s=23
